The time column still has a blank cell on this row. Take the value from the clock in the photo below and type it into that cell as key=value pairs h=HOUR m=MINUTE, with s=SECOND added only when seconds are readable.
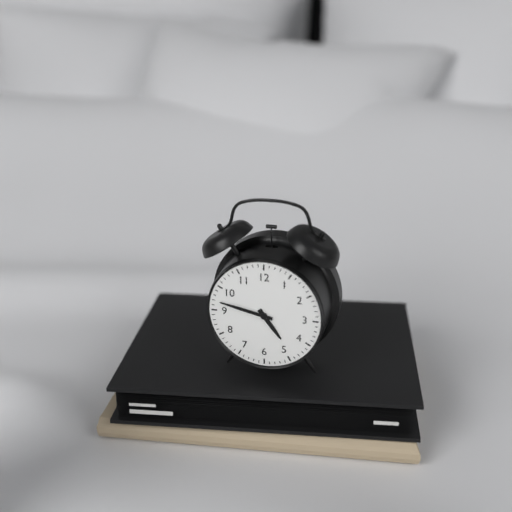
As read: h=4 m=47
